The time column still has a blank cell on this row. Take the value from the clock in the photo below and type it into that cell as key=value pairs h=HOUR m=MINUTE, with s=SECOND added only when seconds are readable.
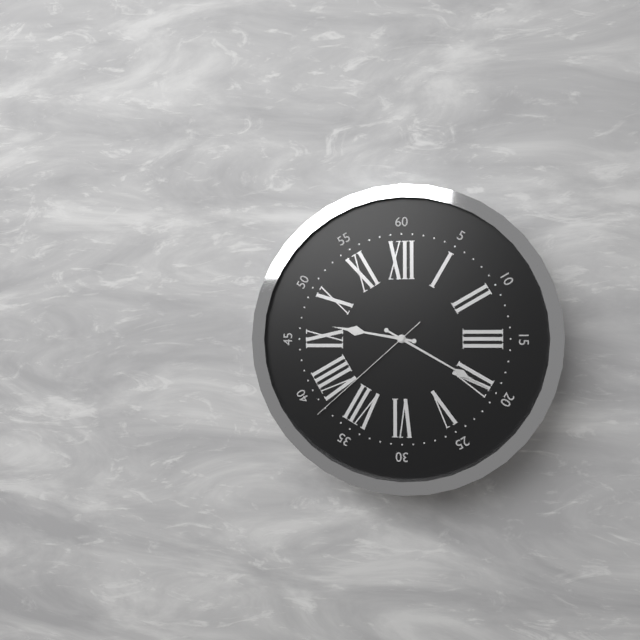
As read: h=9 m=20 s=38
